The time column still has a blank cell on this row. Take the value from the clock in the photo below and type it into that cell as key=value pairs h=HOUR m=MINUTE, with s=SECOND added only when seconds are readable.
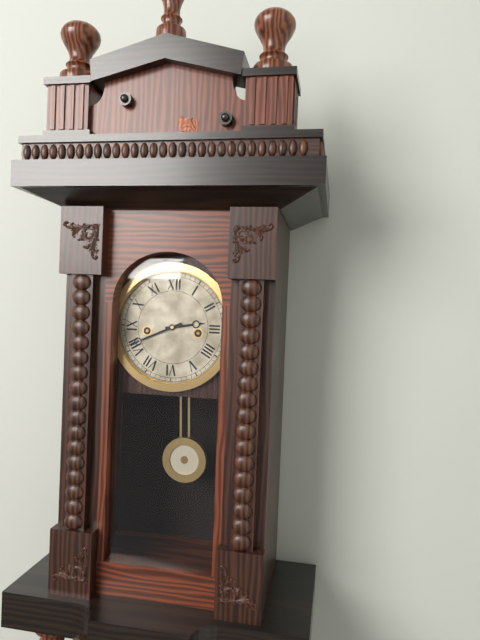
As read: h=2 m=41
